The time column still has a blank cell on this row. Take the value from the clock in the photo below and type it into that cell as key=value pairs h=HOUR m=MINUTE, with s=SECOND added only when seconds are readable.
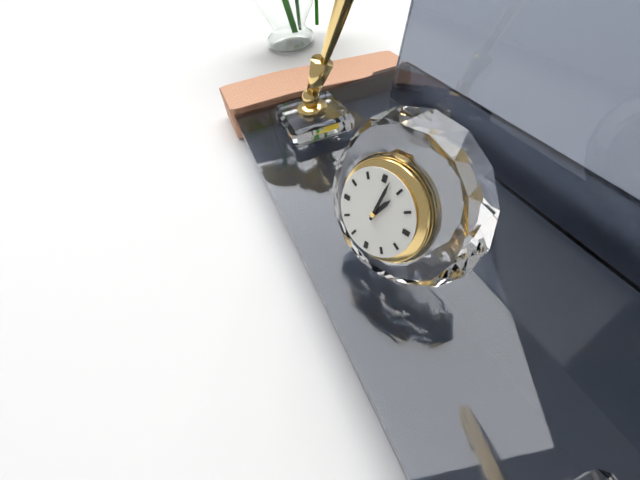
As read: h=1 m=2
